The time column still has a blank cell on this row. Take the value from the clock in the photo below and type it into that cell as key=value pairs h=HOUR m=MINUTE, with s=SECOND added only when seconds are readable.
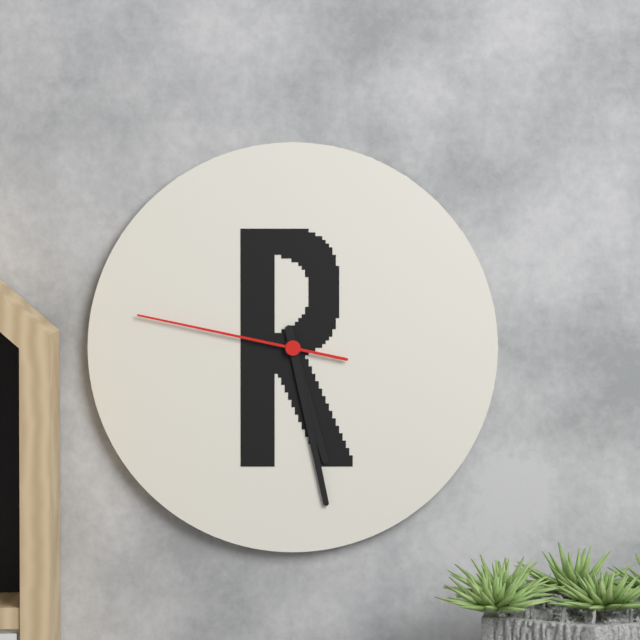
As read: h=5 m=28 s=47
